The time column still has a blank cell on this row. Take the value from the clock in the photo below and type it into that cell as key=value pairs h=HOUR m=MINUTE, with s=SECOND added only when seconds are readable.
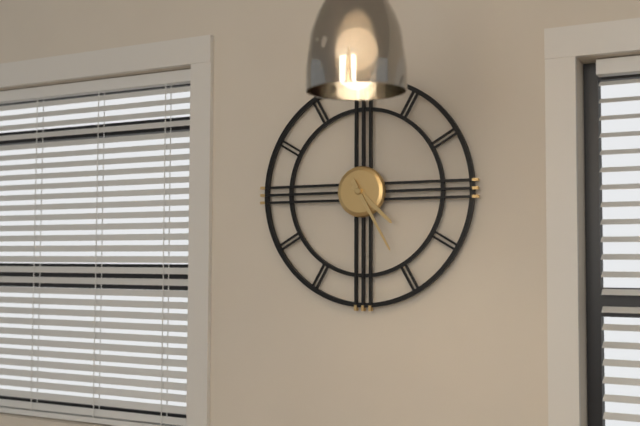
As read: h=4 m=25
